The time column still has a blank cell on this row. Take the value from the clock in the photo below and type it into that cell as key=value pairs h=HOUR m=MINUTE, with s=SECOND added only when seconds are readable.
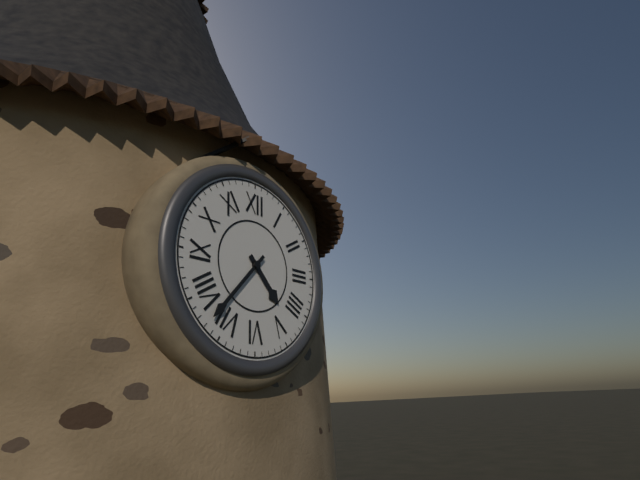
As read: h=4 m=37
